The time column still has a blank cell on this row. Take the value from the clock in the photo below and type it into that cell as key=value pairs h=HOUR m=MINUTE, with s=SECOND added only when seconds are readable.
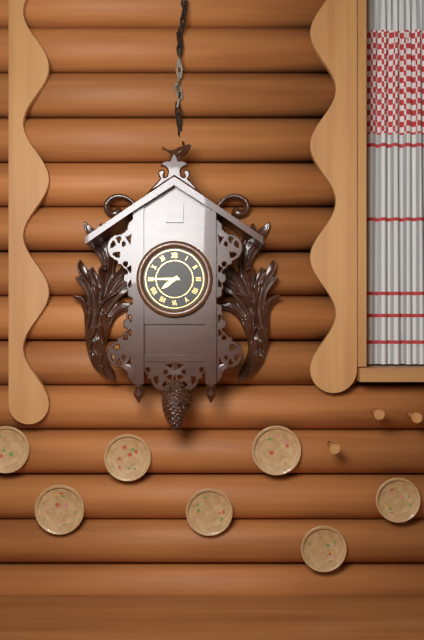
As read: h=7 m=45
